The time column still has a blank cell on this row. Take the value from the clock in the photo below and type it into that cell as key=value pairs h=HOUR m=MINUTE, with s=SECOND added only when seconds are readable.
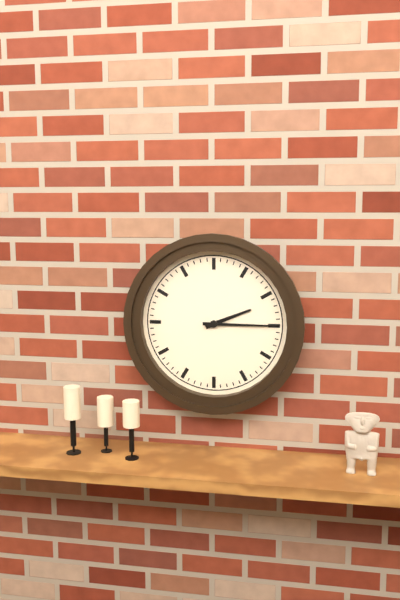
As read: h=2 m=15
